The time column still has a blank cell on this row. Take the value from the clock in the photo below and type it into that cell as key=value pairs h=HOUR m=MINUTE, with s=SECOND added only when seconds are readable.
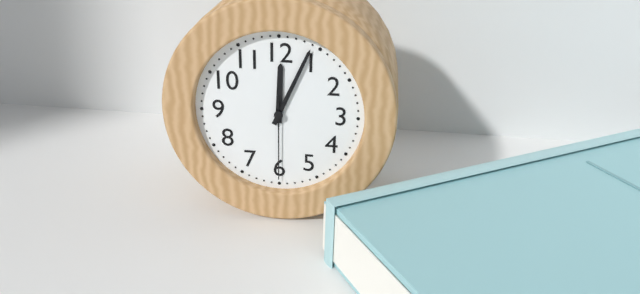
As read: h=12 m=4 s=30
